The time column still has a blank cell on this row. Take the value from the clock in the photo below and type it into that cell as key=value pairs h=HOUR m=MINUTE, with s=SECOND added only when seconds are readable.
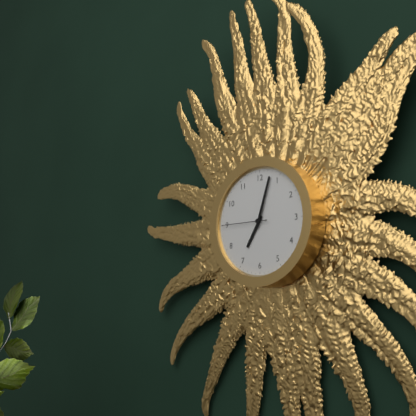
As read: h=7 m=3
